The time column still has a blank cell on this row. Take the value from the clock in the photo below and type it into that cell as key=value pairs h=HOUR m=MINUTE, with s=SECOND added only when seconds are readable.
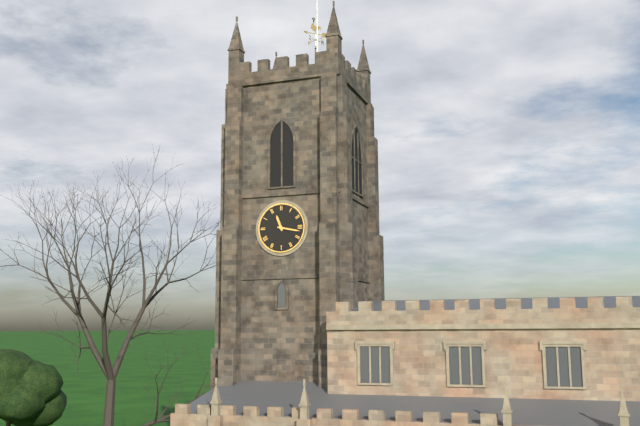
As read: h=11 m=17
